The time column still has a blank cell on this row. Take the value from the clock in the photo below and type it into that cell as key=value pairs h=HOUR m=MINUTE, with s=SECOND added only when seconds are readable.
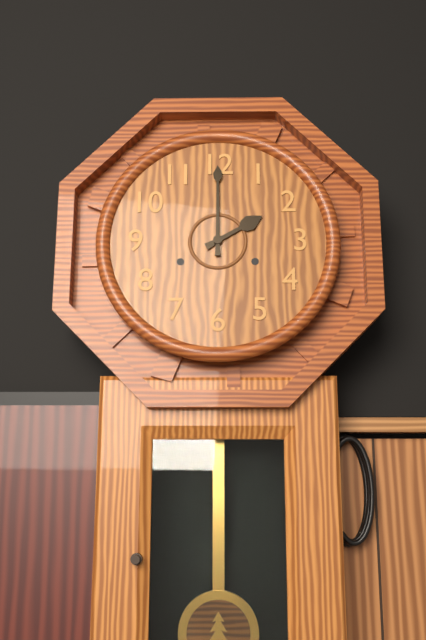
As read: h=2 m=0
